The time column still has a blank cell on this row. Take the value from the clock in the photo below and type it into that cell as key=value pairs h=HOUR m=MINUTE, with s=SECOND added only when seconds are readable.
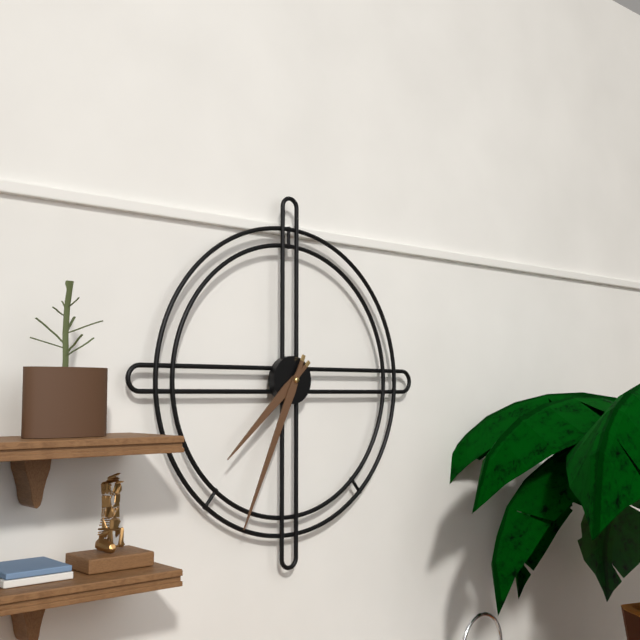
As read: h=7 m=34
